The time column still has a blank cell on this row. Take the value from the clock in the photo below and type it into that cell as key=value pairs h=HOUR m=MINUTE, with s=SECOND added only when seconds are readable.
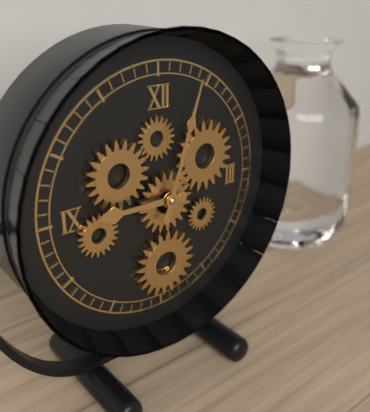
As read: h=9 m=3
